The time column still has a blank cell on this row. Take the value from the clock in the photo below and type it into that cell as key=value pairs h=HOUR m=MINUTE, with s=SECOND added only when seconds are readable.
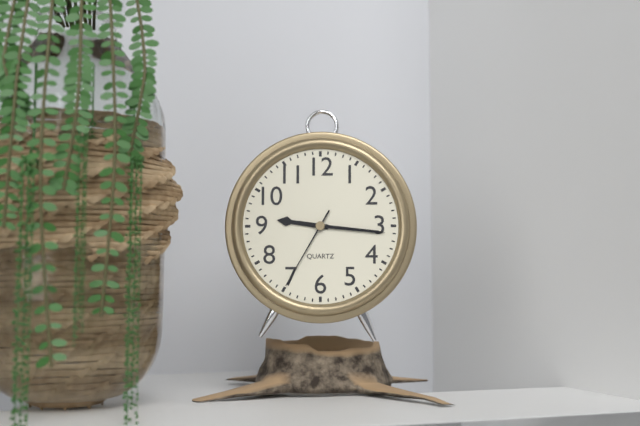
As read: h=9 m=16 s=35
